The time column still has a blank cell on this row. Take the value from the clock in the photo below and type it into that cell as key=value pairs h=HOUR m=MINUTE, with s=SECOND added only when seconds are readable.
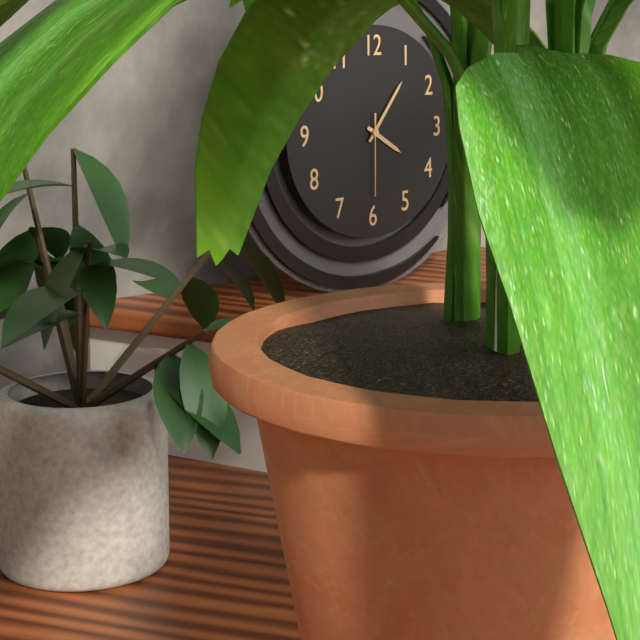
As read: h=4 m=6 s=30
